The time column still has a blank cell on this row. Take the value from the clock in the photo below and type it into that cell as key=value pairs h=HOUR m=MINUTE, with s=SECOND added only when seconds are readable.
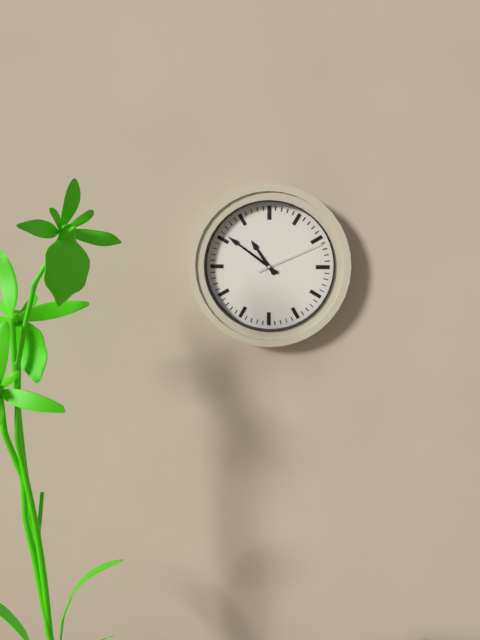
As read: h=10 m=51 s=11
